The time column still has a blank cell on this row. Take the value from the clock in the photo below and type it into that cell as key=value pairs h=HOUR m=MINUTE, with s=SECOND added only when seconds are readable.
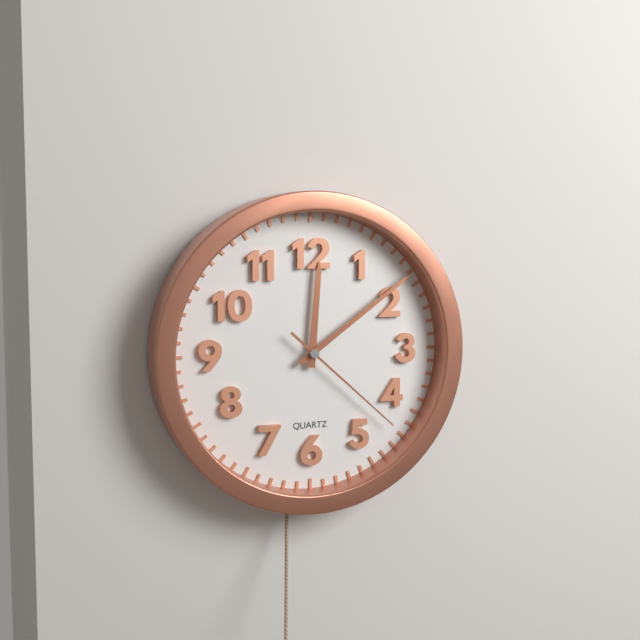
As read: h=12 m=9 s=22
